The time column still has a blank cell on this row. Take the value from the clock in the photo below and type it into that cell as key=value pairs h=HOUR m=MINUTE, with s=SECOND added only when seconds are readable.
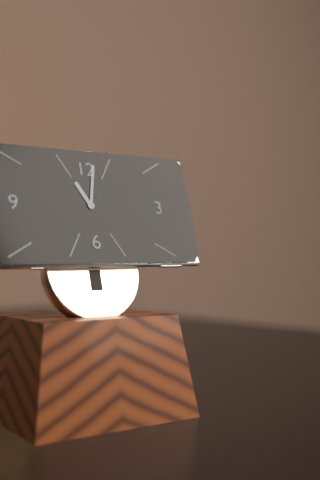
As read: h=11 m=2
